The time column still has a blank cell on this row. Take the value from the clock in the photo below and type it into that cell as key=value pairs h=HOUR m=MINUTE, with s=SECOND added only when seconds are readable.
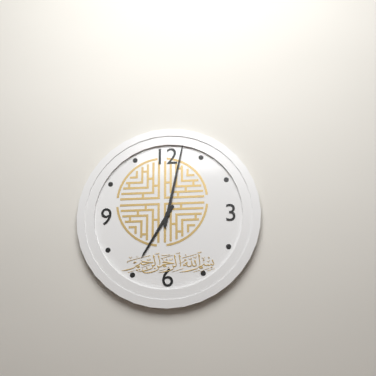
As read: h=7 m=2
